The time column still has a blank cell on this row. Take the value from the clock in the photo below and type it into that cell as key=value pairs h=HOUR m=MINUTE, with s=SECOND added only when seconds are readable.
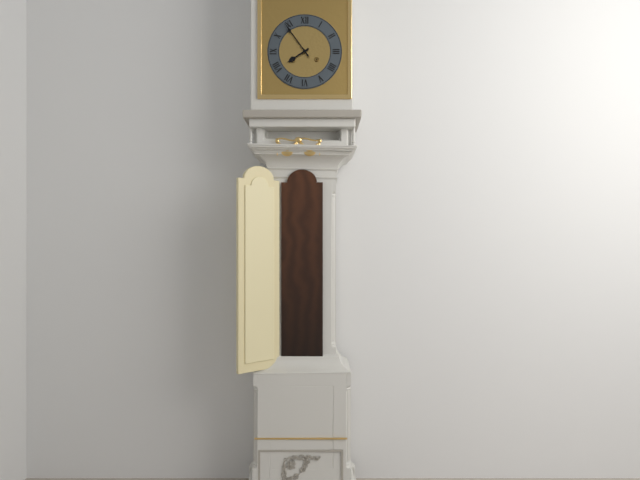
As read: h=7 m=54
